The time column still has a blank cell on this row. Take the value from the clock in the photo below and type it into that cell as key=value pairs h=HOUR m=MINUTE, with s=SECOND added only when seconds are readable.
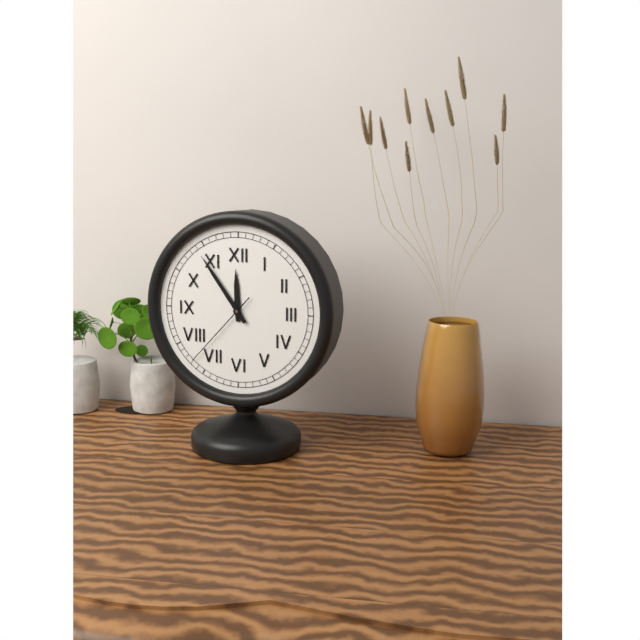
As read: h=11 m=54 s=37
